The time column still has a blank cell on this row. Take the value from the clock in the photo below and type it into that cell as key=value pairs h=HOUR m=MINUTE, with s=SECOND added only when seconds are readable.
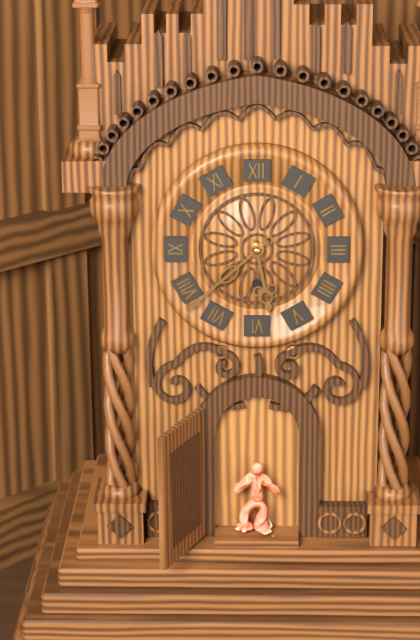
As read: h=5 m=38
